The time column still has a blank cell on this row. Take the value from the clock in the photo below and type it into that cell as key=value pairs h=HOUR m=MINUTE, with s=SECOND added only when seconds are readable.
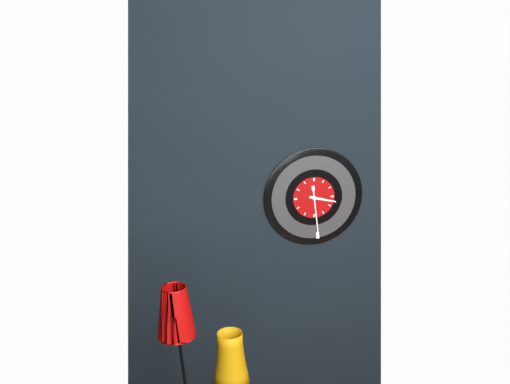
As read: h=3 m=29
